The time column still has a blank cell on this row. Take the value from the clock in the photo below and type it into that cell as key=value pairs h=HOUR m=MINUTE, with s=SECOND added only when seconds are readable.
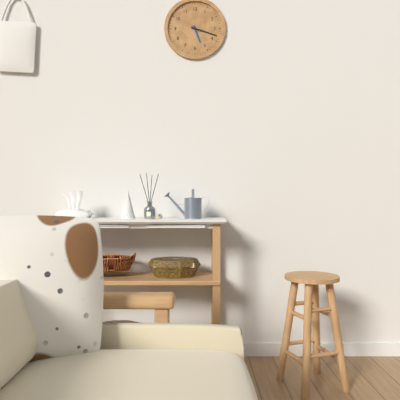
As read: h=5 m=18
